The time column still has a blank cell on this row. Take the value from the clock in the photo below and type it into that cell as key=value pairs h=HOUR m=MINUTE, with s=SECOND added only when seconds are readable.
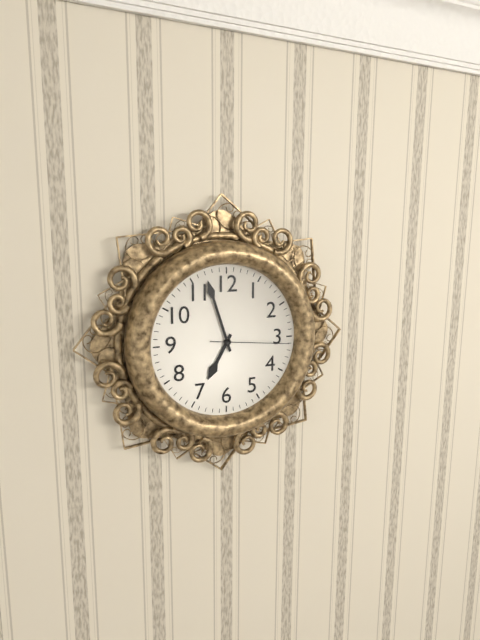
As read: h=6 m=57 s=16
